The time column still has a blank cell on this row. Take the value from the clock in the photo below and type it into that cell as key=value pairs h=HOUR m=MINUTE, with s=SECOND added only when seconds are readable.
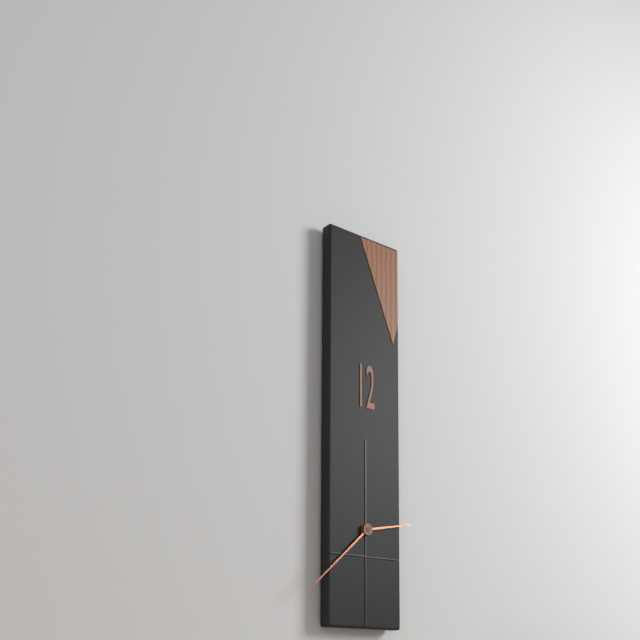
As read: h=2 m=38
